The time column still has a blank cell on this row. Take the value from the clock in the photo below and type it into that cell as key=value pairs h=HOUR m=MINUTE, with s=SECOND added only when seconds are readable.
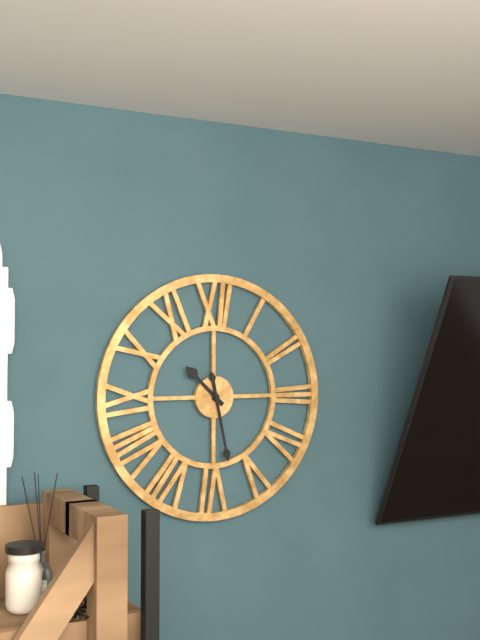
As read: h=10 m=28
